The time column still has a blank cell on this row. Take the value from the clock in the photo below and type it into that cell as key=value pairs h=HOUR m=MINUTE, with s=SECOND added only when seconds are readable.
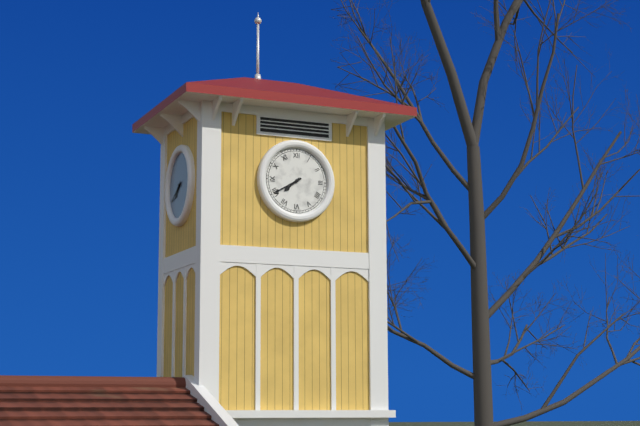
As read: h=7 m=40
